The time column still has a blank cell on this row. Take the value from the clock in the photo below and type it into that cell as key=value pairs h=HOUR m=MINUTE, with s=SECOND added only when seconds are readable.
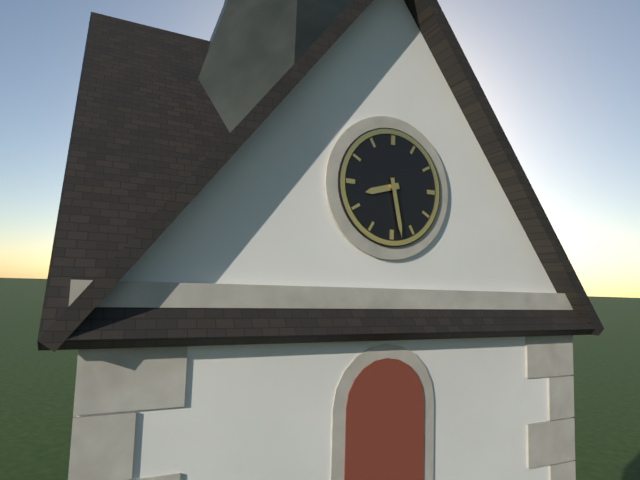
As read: h=8 m=28
